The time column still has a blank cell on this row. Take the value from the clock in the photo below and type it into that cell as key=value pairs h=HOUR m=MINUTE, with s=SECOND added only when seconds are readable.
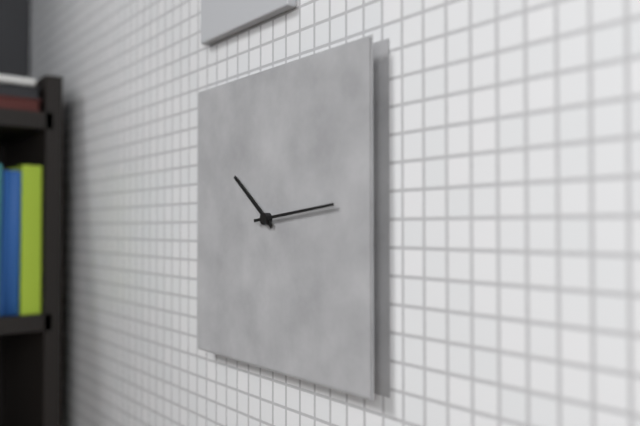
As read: h=10 m=14
